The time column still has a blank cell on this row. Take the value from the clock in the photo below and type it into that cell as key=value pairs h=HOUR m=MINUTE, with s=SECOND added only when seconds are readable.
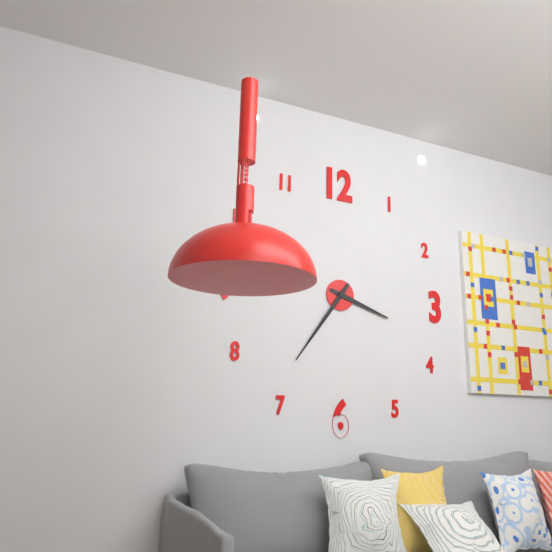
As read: h=3 m=36
